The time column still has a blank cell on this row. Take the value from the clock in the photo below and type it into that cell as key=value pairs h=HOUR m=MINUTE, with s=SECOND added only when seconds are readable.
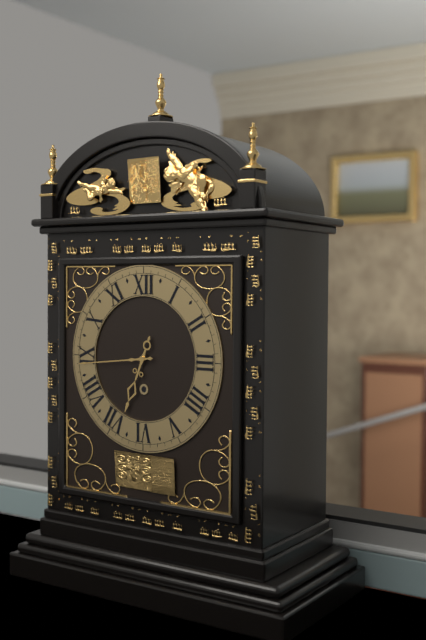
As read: h=6 m=44
